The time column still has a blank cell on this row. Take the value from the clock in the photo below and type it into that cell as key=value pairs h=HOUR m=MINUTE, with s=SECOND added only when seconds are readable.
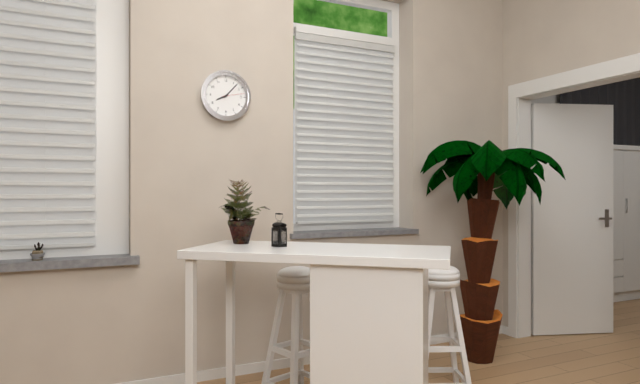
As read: h=8 m=7
